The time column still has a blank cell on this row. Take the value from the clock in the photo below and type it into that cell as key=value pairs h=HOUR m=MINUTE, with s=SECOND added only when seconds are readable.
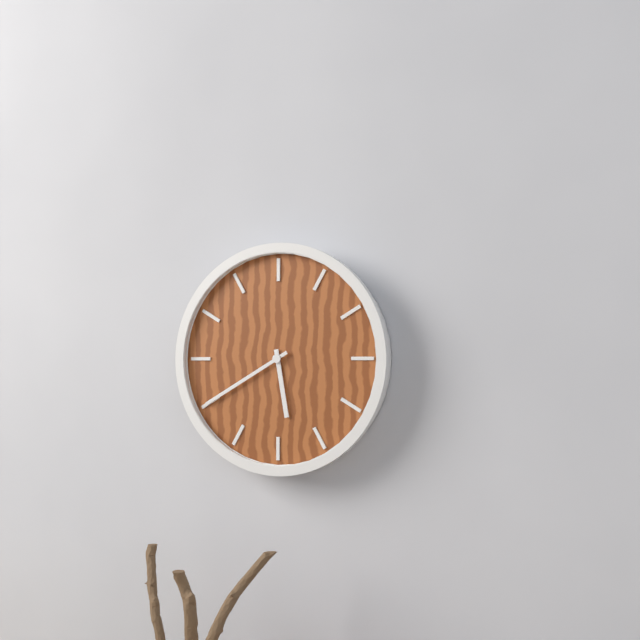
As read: h=5 m=40
